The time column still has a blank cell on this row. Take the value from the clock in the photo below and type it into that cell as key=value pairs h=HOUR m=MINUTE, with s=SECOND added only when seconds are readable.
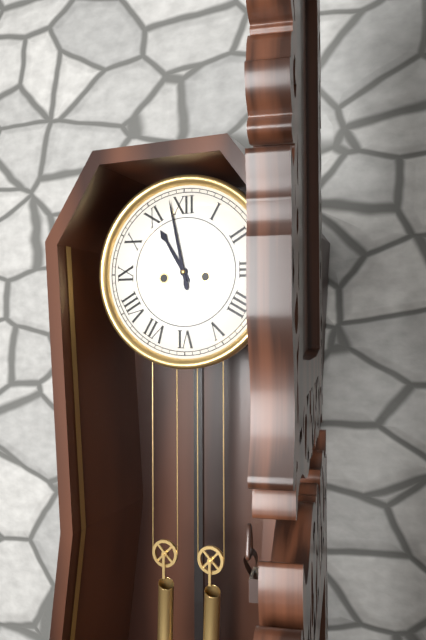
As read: h=10 m=58
